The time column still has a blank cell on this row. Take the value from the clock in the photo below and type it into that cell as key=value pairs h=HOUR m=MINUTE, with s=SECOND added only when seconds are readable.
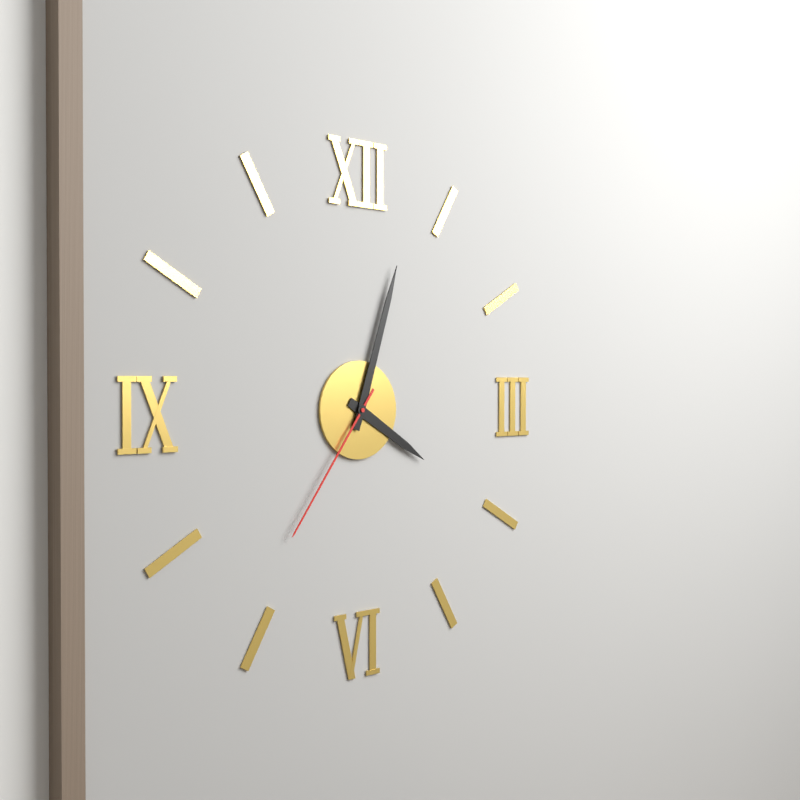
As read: h=4 m=3 s=36
